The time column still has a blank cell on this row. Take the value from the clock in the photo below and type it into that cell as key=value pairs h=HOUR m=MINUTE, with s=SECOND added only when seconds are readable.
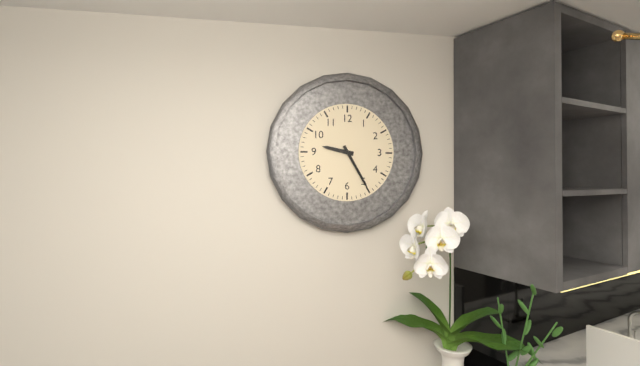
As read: h=9 m=25
